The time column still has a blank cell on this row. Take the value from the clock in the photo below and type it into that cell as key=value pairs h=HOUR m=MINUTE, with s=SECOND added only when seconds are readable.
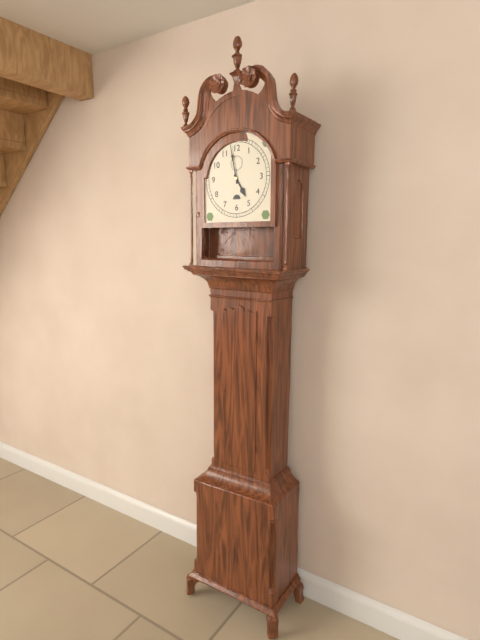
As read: h=4 m=58
